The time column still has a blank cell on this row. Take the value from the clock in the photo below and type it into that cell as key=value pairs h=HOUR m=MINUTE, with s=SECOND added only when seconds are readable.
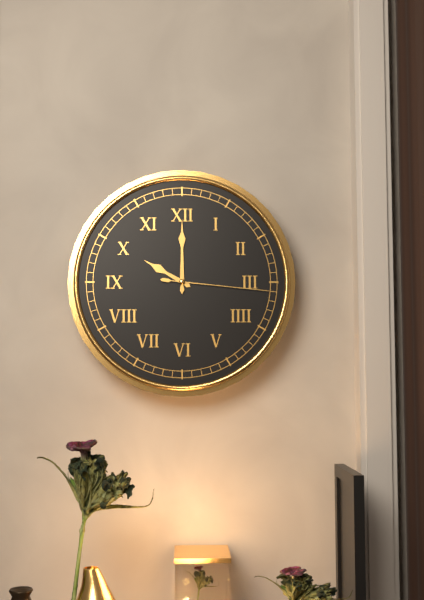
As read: h=10 m=0 s=16
